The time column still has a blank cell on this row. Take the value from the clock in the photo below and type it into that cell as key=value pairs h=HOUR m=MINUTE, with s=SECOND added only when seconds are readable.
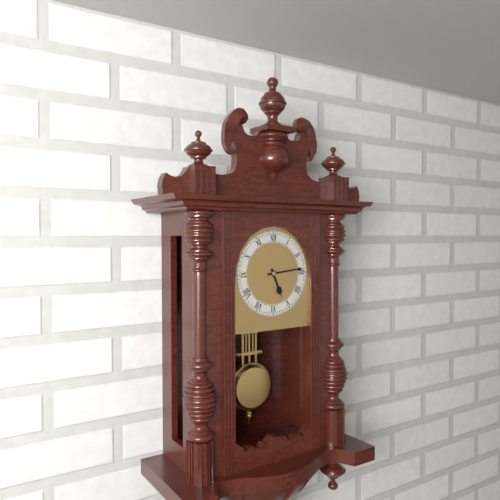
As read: h=5 m=14
